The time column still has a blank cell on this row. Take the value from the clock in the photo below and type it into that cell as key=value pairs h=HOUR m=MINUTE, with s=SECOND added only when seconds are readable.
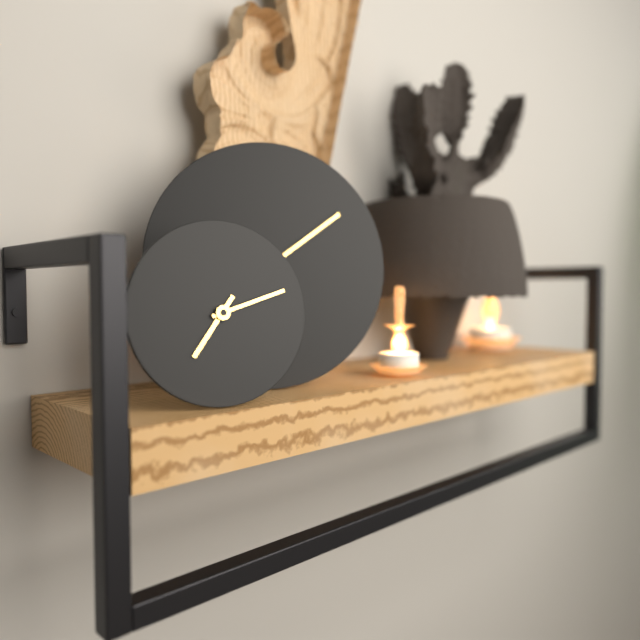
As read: h=7 m=12
